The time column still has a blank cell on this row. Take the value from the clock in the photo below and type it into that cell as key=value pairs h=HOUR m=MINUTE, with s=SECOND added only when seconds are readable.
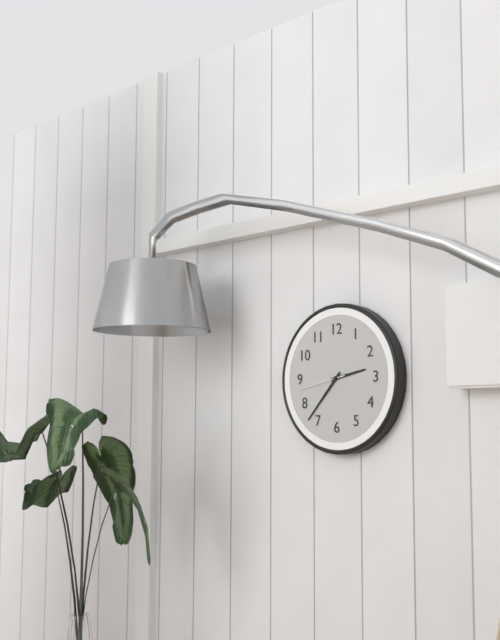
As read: h=2 m=37
